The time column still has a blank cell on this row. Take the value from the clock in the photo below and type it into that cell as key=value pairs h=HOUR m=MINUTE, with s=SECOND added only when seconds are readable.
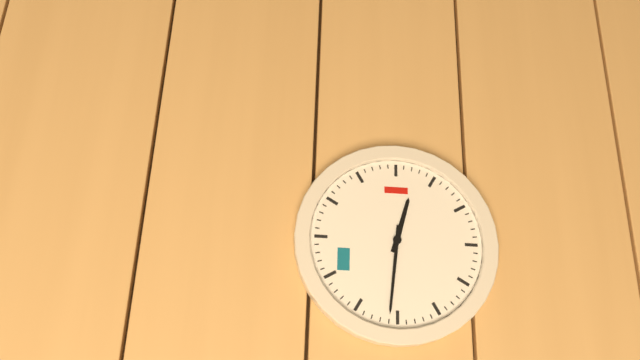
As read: h=12 m=31
